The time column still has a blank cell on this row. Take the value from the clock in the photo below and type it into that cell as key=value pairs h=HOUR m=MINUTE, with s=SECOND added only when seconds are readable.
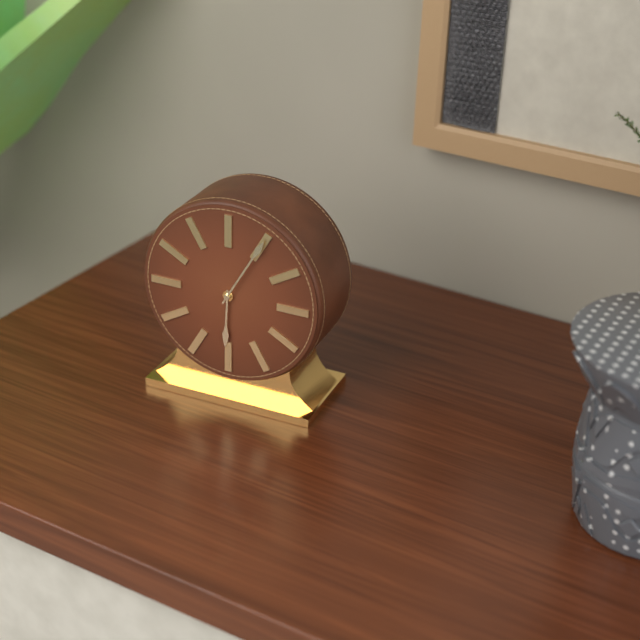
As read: h=6 m=5
